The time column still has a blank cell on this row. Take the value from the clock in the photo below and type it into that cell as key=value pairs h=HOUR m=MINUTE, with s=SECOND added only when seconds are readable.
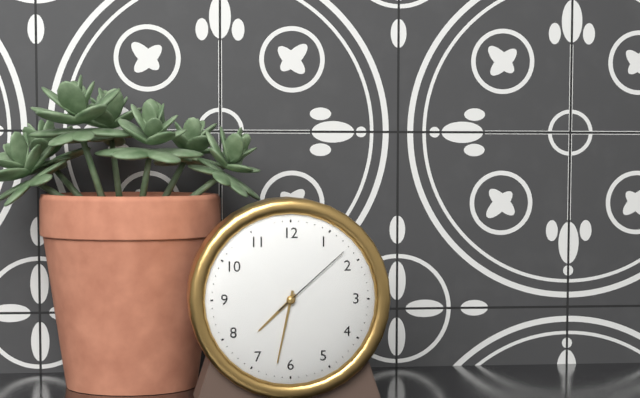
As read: h=7 m=32 s=8
